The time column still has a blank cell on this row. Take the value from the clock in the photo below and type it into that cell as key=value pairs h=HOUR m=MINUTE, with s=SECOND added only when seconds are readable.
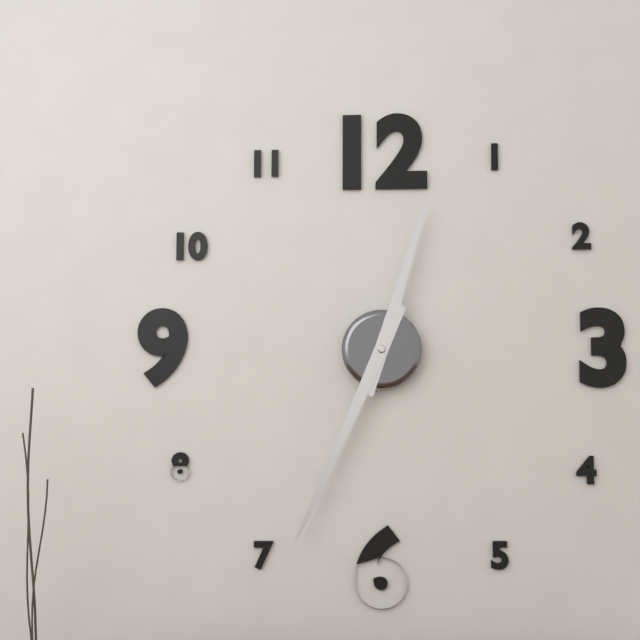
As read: h=12 m=34
